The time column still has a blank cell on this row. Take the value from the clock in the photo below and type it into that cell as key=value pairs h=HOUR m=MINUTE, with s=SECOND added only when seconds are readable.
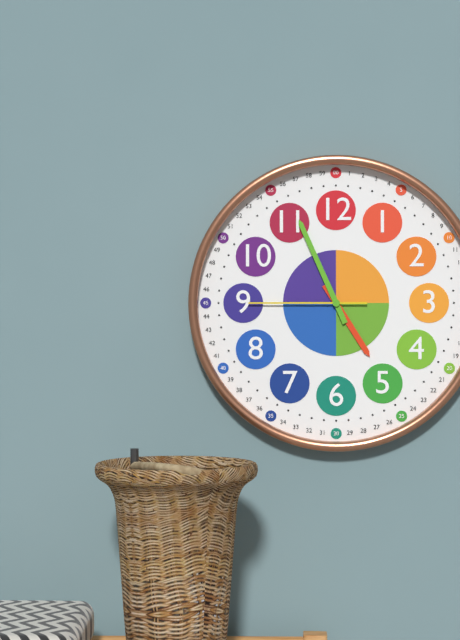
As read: h=4 m=56 s=45
